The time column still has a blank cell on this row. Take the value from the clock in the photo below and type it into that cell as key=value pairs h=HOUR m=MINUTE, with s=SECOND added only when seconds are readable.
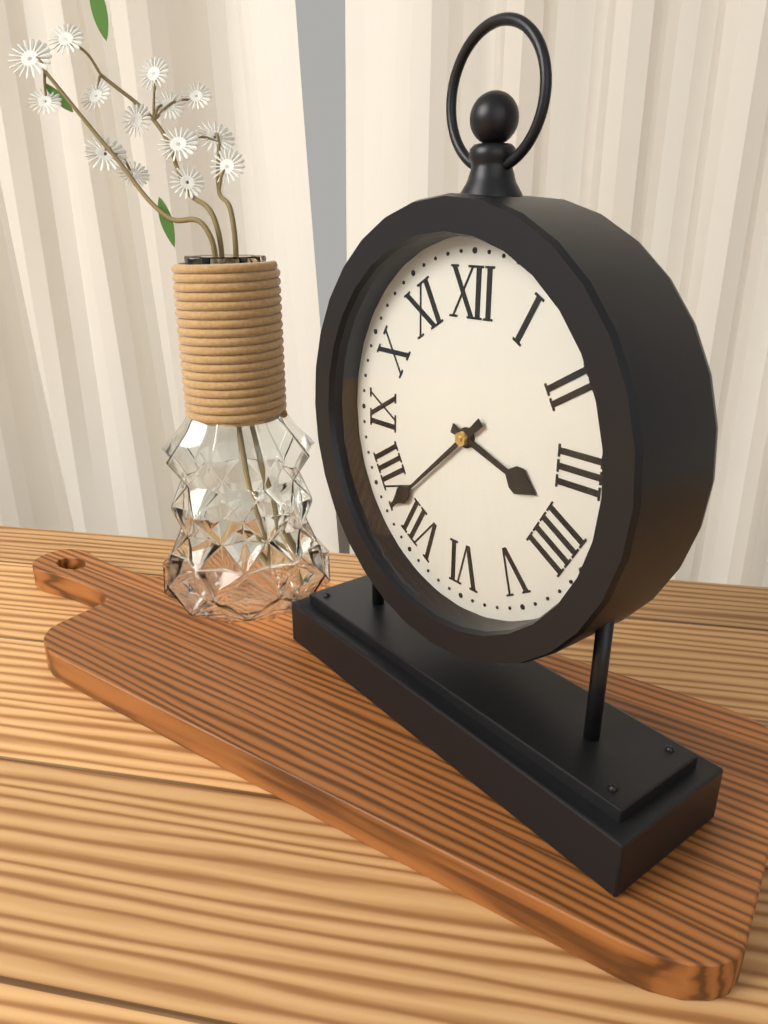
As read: h=3 m=38
